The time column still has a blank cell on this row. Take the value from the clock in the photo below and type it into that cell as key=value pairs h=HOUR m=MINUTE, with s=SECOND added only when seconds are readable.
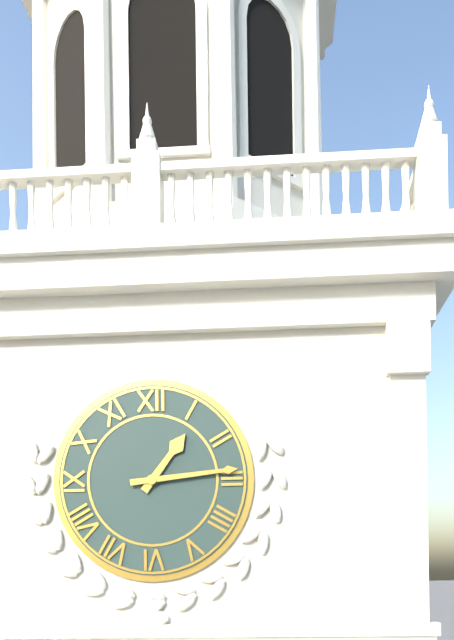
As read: h=1 m=14
